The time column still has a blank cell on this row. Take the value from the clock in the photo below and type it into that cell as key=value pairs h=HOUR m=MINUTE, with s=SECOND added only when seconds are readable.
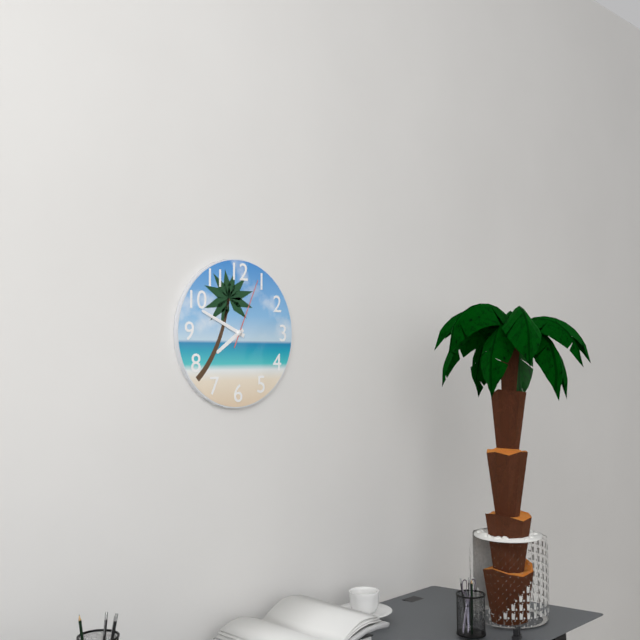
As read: h=7 m=49 s=4
